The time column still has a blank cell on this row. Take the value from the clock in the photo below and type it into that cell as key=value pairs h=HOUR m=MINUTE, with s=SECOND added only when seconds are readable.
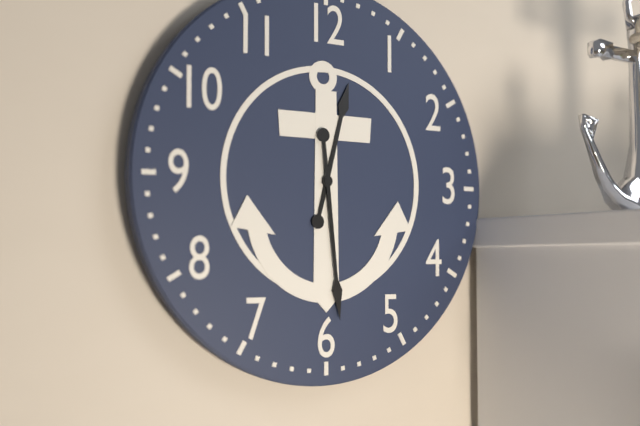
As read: h=12 m=29
